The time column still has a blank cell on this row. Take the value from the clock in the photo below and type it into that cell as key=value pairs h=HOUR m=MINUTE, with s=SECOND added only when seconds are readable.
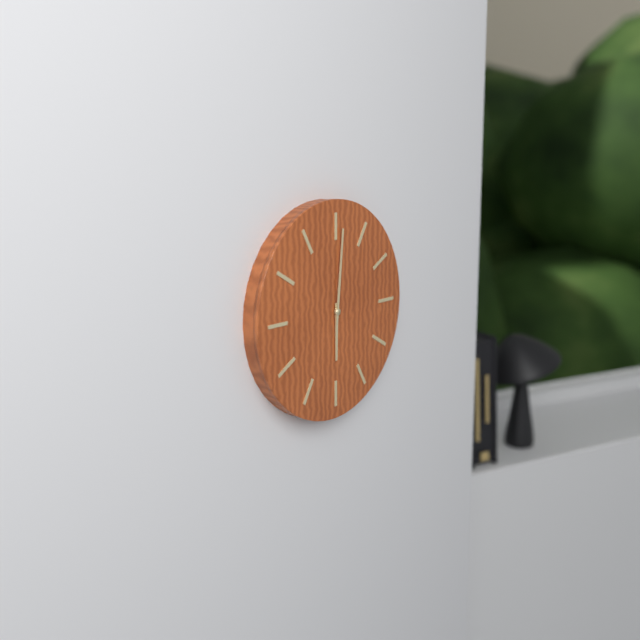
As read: h=6 m=1
